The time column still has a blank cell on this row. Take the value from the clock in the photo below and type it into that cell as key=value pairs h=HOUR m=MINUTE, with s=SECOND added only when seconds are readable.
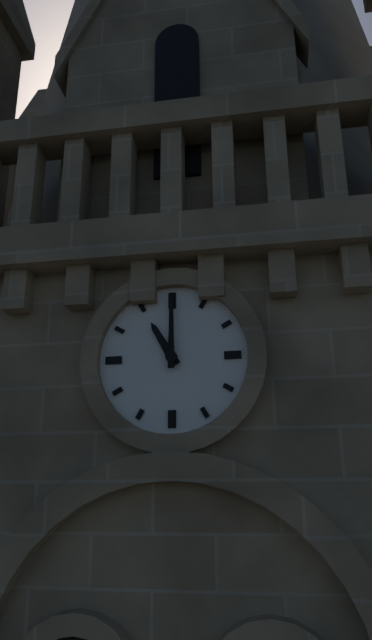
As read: h=11 m=0
